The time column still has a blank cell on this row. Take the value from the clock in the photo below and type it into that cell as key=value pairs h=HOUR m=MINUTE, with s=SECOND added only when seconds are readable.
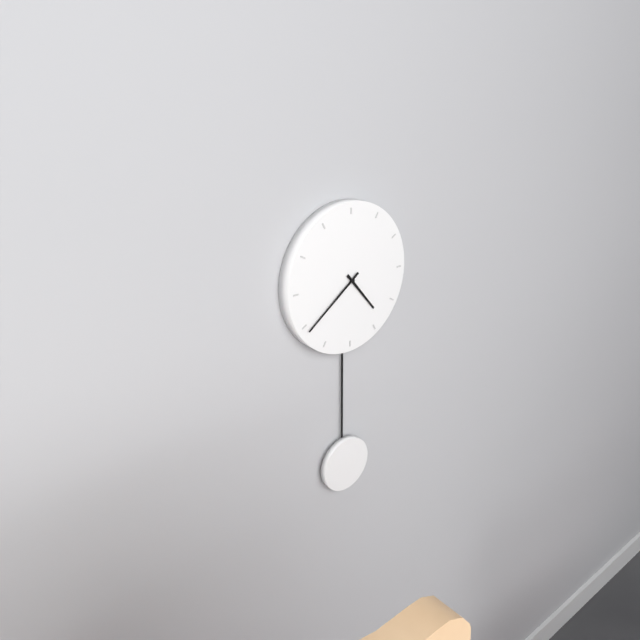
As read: h=4 m=39
